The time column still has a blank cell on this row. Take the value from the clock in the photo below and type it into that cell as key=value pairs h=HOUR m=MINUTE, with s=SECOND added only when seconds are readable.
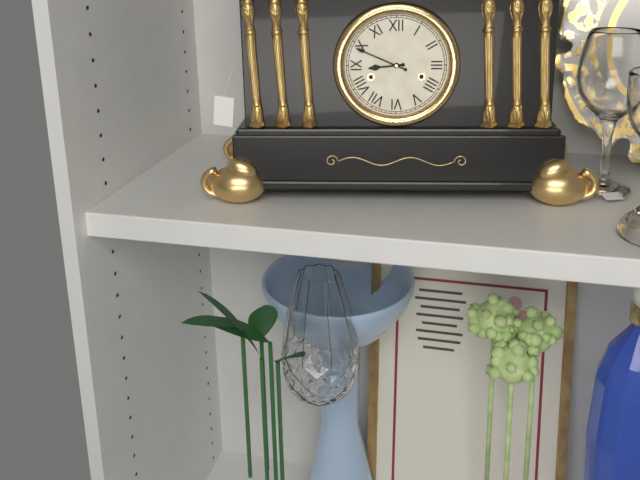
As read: h=8 m=49
